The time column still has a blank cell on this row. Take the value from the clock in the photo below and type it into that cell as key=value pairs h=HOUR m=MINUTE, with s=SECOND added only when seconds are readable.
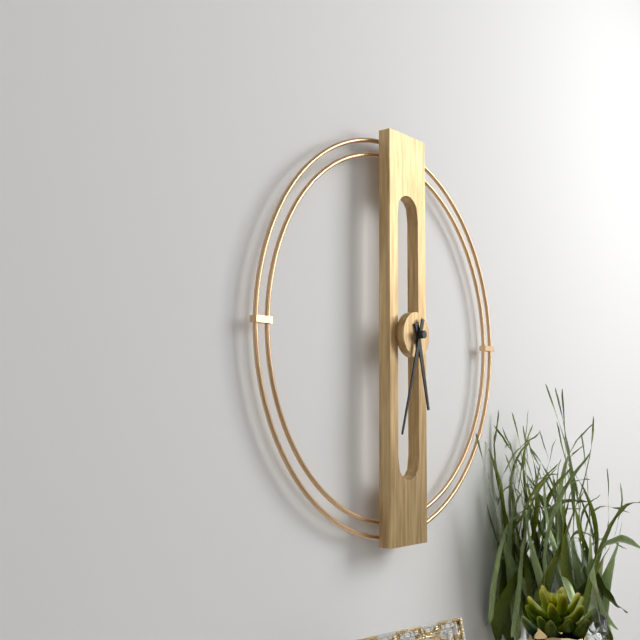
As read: h=5 m=33
